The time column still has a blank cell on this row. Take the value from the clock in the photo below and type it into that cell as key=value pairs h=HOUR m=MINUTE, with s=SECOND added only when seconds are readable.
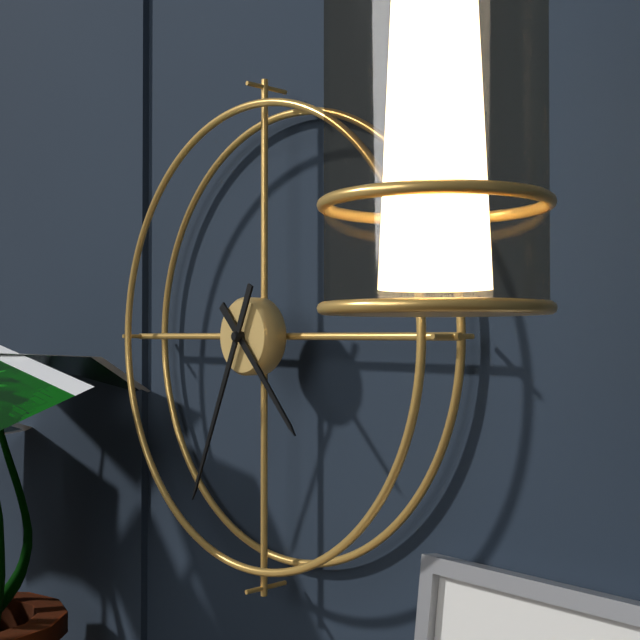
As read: h=4 m=34
